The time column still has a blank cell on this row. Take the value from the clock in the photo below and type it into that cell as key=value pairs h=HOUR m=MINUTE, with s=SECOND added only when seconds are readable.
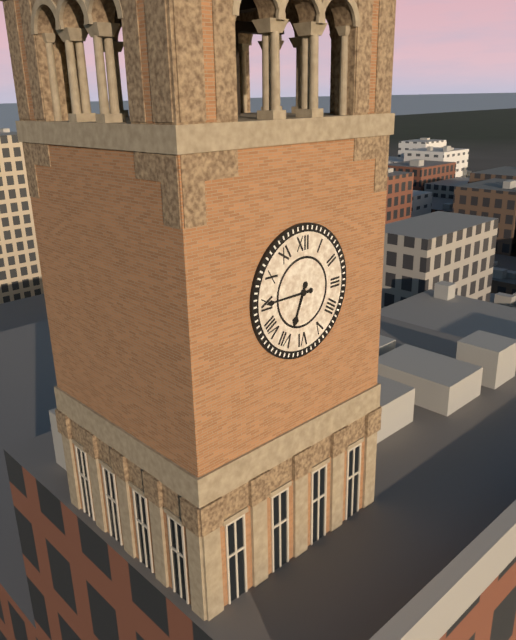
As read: h=6 m=45
